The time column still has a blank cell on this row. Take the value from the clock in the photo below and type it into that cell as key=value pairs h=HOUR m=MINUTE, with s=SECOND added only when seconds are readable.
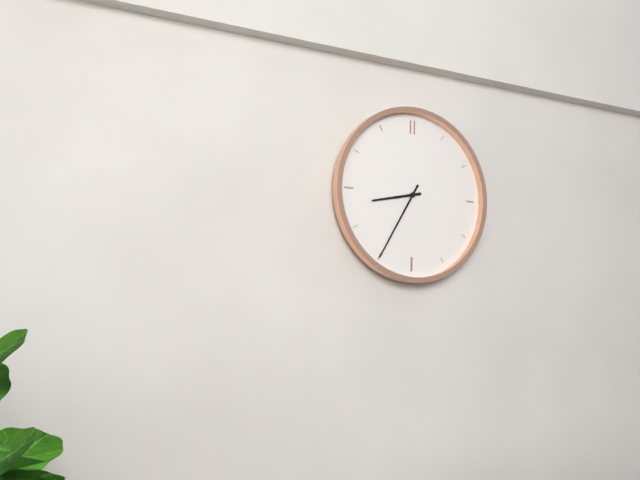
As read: h=8 m=35
